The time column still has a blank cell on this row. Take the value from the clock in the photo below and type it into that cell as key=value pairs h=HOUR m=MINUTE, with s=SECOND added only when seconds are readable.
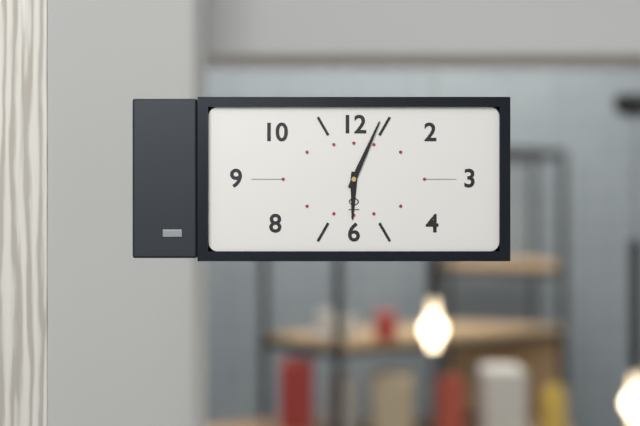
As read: h=6 m=4
